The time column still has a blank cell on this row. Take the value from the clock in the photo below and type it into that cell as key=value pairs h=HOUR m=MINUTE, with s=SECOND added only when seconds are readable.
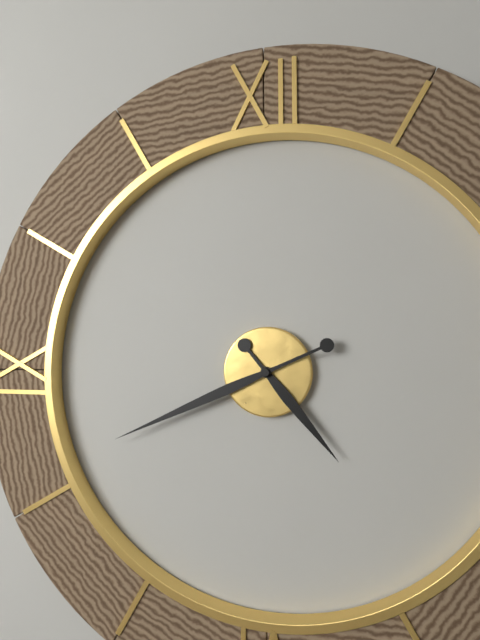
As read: h=4 m=41
